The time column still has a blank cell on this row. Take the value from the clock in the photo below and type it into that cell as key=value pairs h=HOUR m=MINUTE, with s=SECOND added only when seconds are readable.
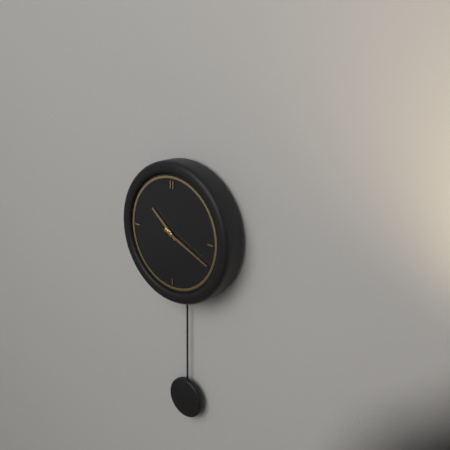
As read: h=10 m=19
